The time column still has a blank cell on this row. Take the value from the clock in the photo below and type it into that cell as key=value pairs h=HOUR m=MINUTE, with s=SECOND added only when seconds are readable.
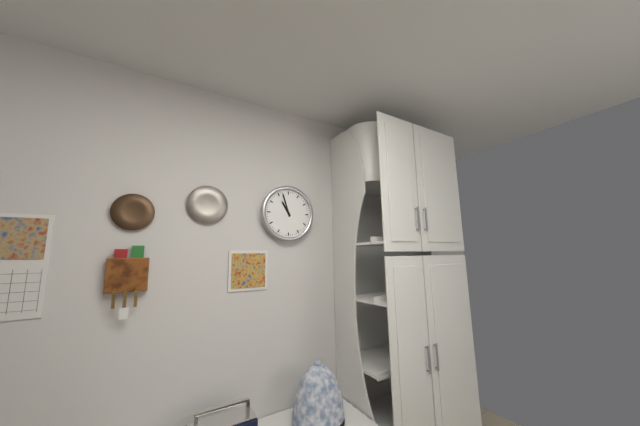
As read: h=10 m=57
